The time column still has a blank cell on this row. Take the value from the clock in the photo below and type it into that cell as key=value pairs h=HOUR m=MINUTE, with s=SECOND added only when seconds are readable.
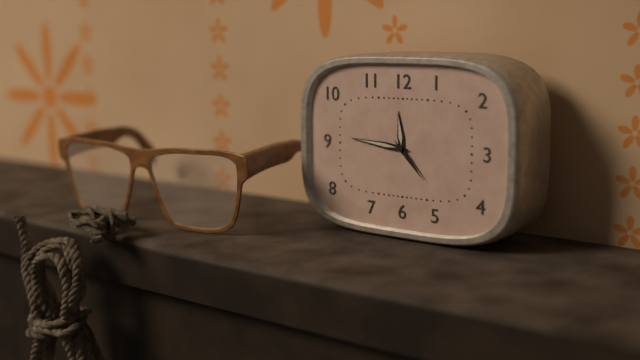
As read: h=11 m=46
